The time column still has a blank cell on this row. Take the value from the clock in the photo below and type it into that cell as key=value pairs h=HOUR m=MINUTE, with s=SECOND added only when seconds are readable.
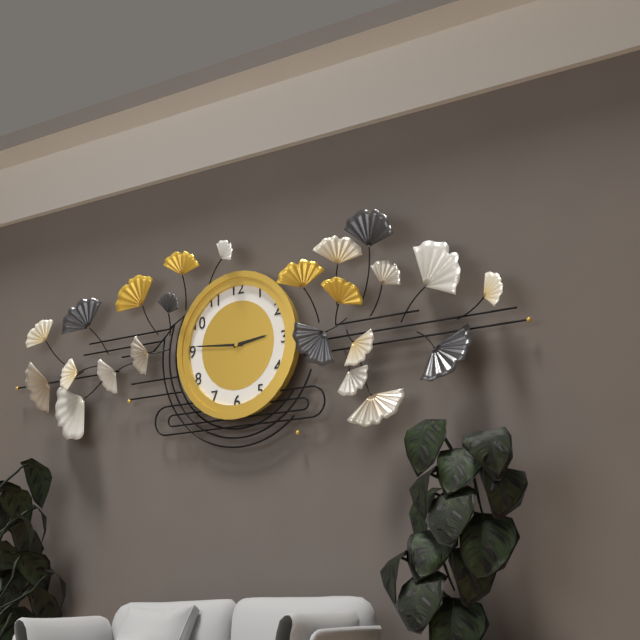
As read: h=2 m=46
